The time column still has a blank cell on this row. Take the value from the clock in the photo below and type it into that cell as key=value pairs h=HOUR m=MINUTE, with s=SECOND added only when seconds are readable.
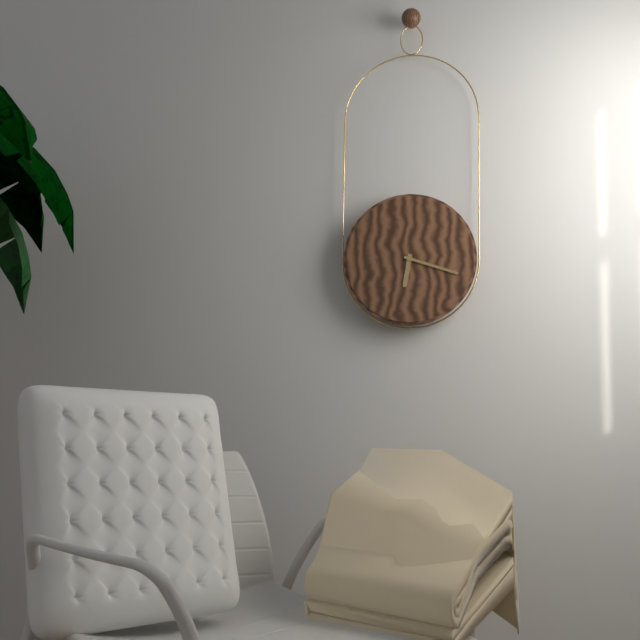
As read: h=6 m=18
